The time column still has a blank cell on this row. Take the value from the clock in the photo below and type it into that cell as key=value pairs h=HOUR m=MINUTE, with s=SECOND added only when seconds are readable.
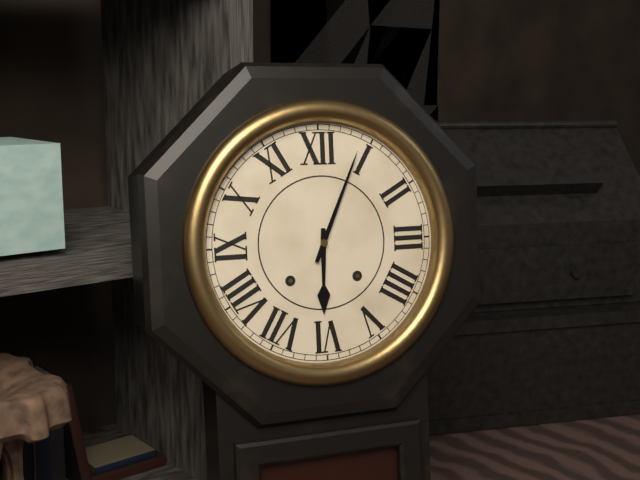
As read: h=6 m=4
